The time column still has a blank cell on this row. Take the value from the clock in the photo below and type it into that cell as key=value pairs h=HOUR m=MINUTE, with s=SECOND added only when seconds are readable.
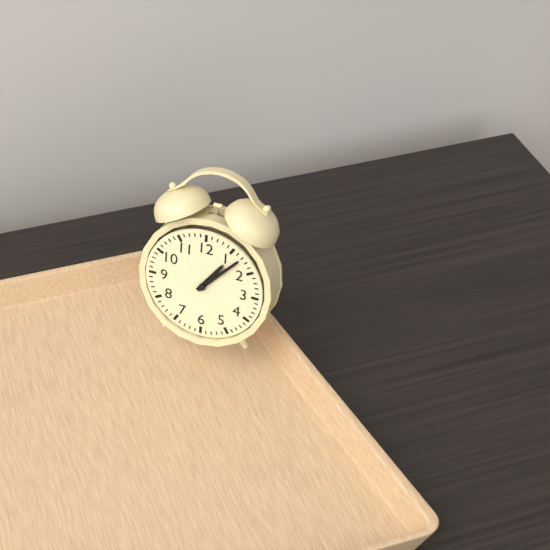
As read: h=1 m=7
